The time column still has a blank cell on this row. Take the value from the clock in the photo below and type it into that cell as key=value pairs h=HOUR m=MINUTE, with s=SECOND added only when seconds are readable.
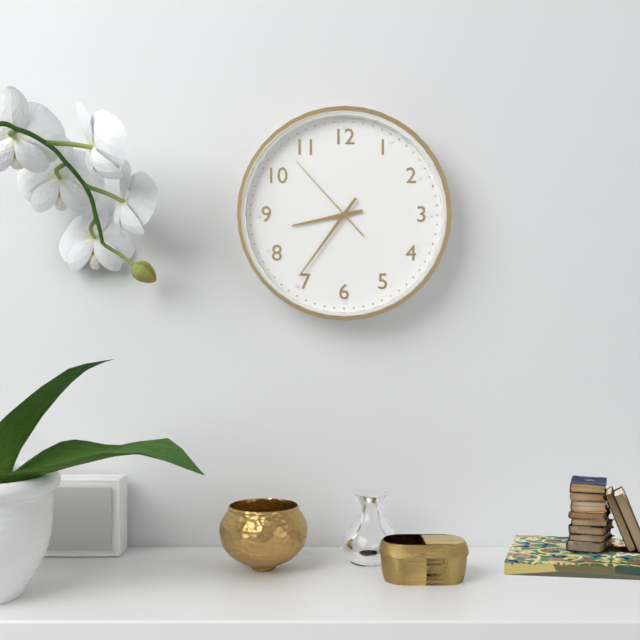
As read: h=8 m=36 s=53
